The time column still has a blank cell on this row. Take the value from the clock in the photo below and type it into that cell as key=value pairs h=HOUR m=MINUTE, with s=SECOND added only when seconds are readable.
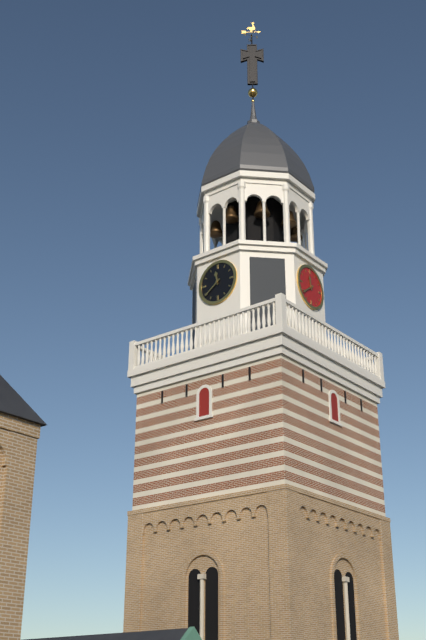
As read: h=11 m=39
